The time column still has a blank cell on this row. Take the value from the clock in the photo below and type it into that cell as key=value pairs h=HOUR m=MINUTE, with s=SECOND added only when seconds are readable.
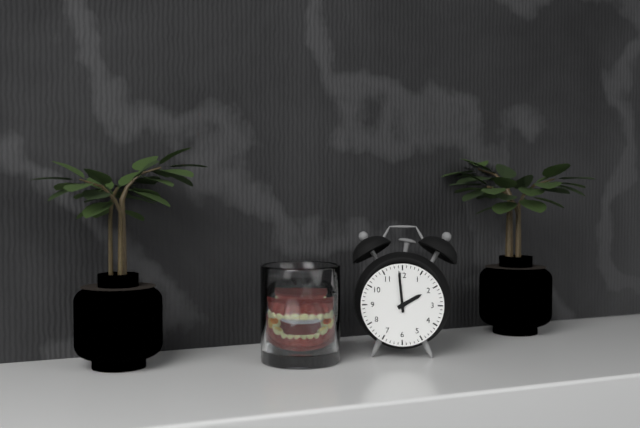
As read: h=1 m=59
